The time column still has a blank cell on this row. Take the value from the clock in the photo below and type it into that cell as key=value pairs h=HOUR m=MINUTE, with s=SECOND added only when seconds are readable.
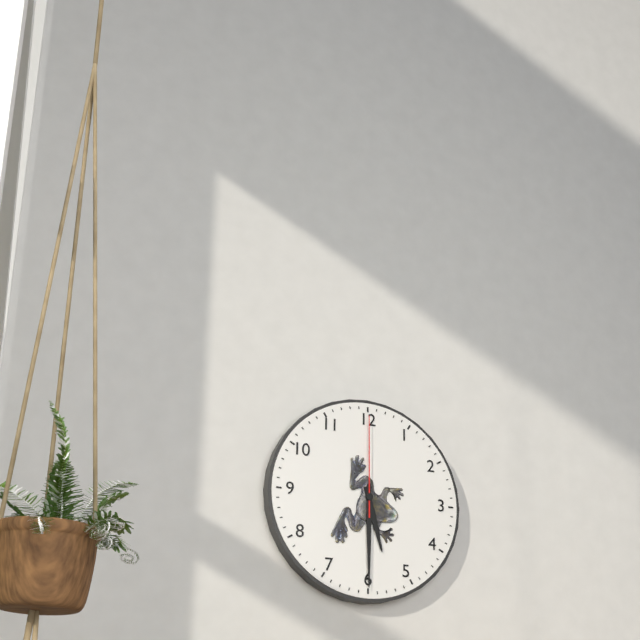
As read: h=5 m=30 s=0
